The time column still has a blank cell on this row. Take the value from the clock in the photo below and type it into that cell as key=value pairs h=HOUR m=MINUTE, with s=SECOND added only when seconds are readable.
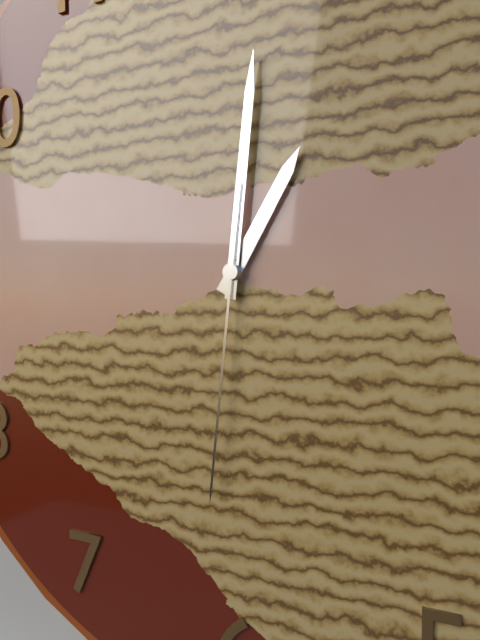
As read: h=1 m=1 s=31
